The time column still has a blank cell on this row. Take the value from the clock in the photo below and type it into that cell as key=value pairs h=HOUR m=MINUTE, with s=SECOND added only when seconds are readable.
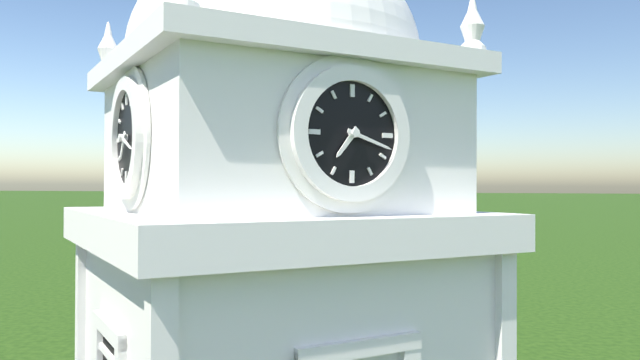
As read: h=7 m=18
